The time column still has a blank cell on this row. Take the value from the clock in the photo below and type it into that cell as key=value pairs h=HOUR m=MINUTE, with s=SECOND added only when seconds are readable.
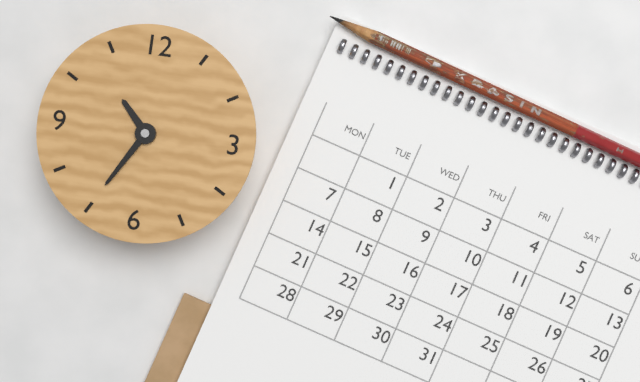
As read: h=10 m=35
